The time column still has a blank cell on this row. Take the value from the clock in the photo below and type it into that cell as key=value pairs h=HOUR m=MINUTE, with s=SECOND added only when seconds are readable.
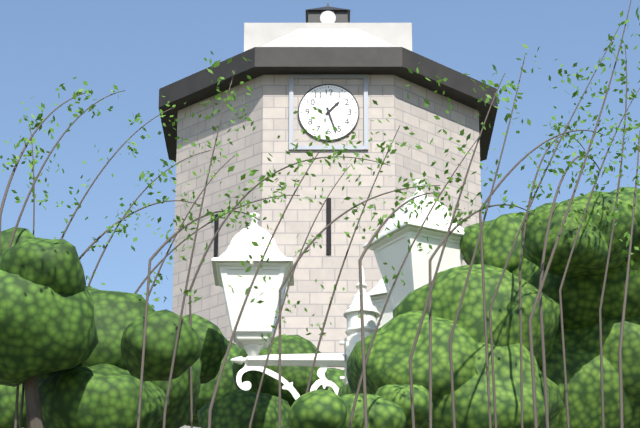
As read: h=1 m=27
